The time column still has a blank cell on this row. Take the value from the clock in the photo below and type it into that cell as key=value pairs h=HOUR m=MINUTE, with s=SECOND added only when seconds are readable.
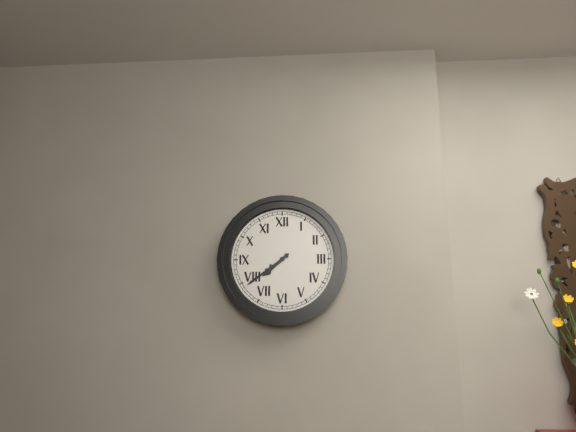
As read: h=7 m=39
